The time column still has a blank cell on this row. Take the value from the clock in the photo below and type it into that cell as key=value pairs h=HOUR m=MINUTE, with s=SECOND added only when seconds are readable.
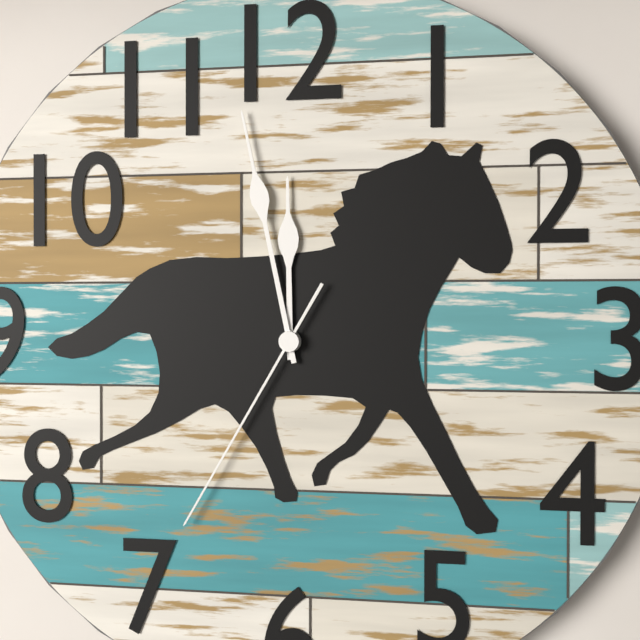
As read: h=11 m=58 s=35
